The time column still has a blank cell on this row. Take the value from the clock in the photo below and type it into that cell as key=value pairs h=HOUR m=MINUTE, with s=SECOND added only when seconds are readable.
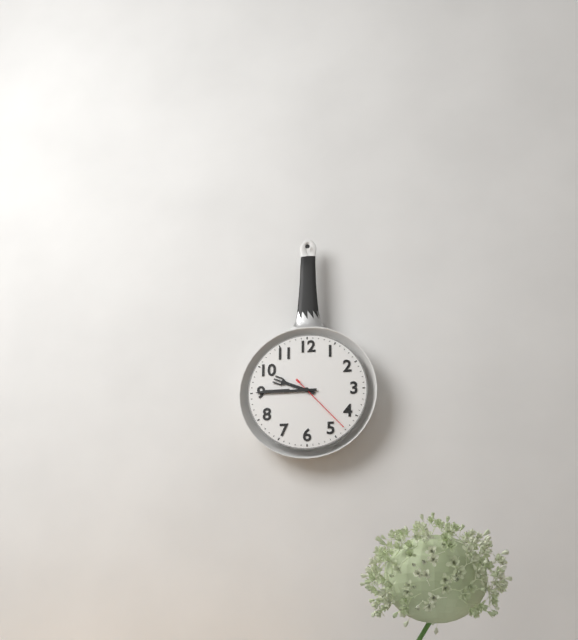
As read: h=9 m=45 s=23
